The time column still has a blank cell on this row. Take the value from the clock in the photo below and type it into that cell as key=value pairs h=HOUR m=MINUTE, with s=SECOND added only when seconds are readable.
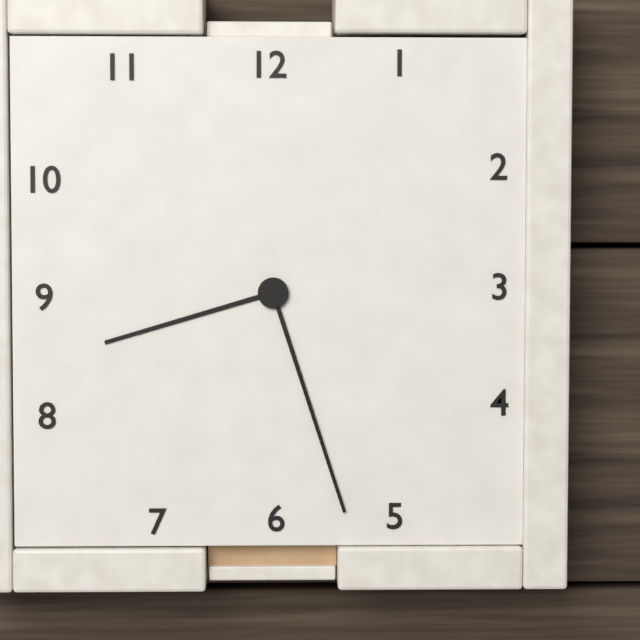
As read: h=8 m=27
